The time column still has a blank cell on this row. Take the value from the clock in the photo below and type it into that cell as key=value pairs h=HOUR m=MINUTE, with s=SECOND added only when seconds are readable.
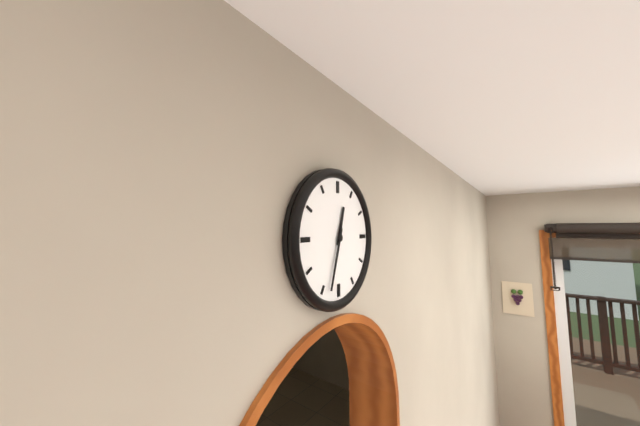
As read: h=12 m=33
